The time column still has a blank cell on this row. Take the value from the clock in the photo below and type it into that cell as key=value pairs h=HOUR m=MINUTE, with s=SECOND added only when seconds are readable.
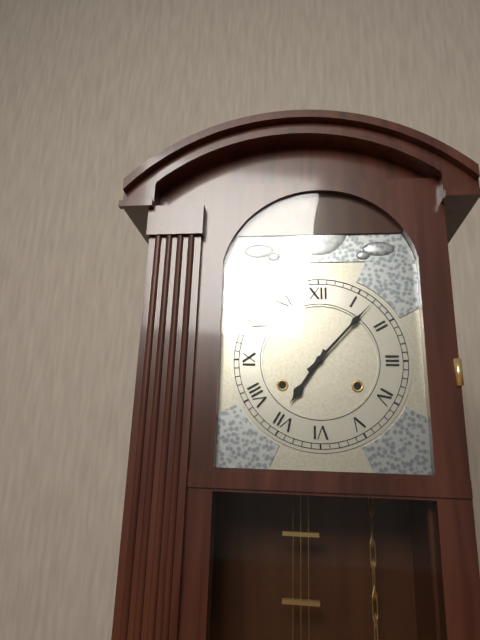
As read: h=7 m=7
